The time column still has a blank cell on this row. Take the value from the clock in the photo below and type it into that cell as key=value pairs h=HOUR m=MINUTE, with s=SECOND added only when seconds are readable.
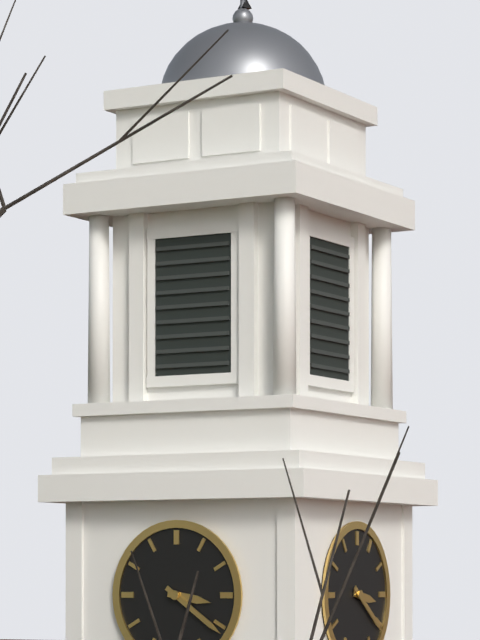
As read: h=3 m=21
